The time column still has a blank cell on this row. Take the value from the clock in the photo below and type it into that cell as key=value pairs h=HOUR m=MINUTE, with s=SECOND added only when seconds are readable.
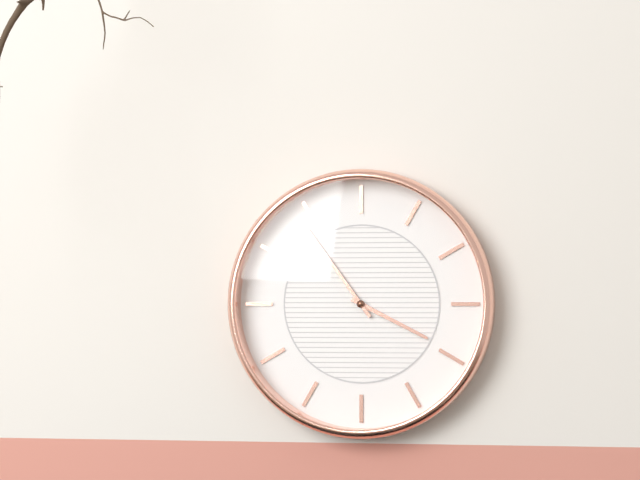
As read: h=3 m=54
